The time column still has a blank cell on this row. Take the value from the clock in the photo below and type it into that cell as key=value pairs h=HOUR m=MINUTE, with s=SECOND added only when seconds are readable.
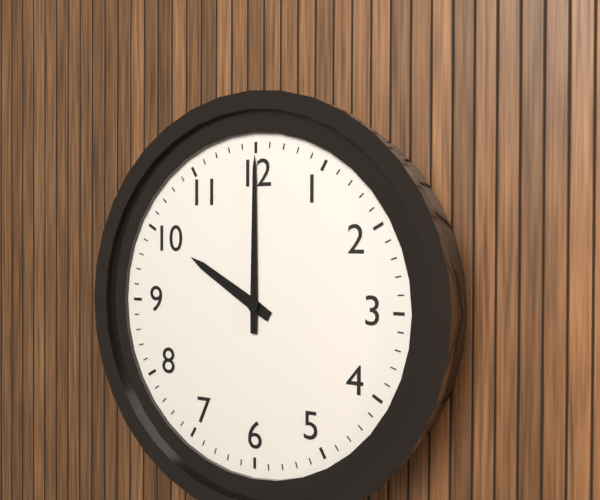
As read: h=10 m=0
